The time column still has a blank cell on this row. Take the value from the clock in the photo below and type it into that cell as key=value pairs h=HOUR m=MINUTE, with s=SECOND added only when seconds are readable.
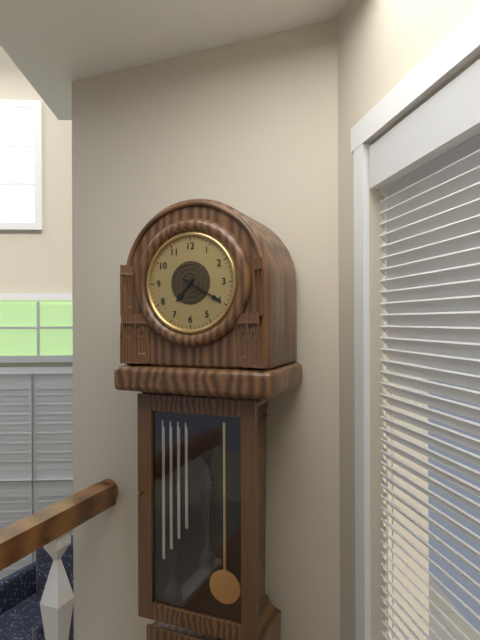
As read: h=7 m=20
